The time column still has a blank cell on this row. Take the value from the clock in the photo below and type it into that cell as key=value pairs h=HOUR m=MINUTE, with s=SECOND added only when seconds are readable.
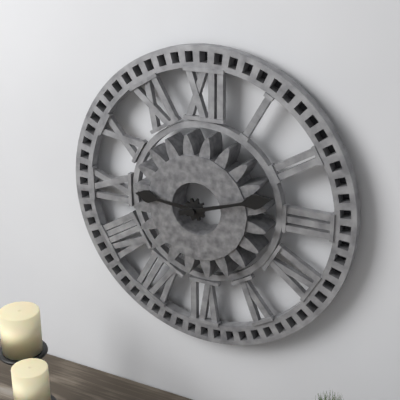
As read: h=9 m=12
